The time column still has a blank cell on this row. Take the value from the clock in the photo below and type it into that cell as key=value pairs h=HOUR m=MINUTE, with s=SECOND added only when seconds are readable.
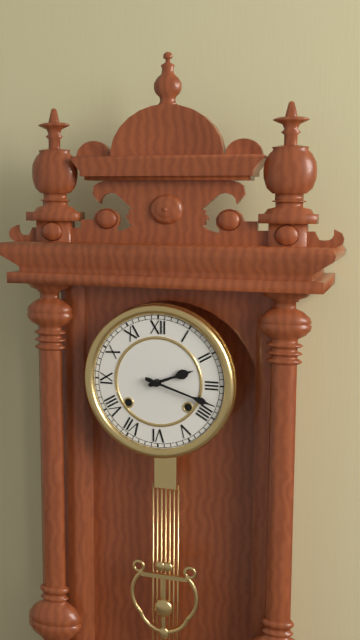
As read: h=2 m=18
